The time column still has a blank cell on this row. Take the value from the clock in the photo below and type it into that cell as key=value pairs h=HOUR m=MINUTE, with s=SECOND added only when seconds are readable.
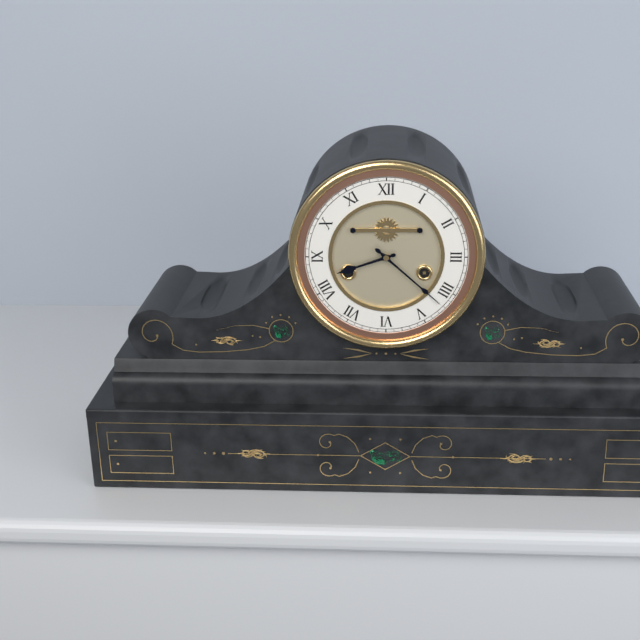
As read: h=8 m=22
